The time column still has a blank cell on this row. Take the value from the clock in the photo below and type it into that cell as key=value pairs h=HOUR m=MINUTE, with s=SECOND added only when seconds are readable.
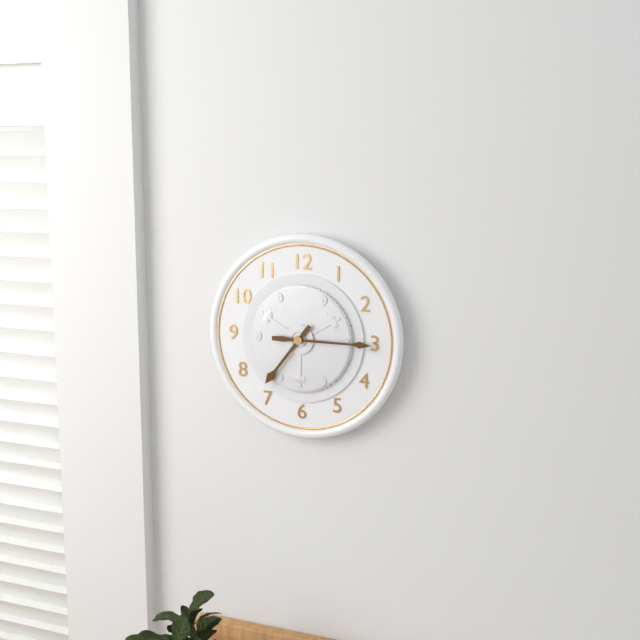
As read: h=7 m=15
